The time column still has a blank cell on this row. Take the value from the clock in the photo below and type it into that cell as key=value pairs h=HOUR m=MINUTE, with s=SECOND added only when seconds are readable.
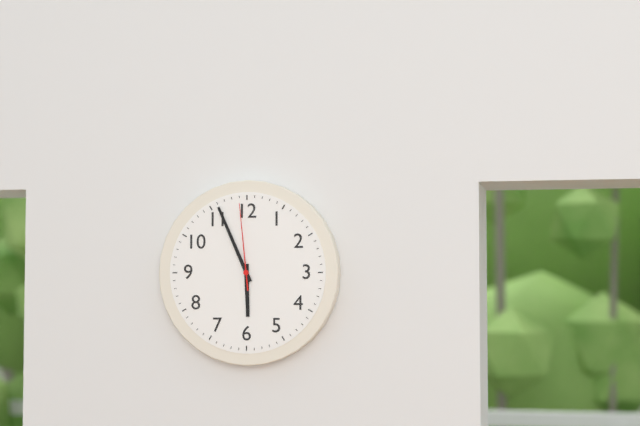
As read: h=5 m=56 s=59
